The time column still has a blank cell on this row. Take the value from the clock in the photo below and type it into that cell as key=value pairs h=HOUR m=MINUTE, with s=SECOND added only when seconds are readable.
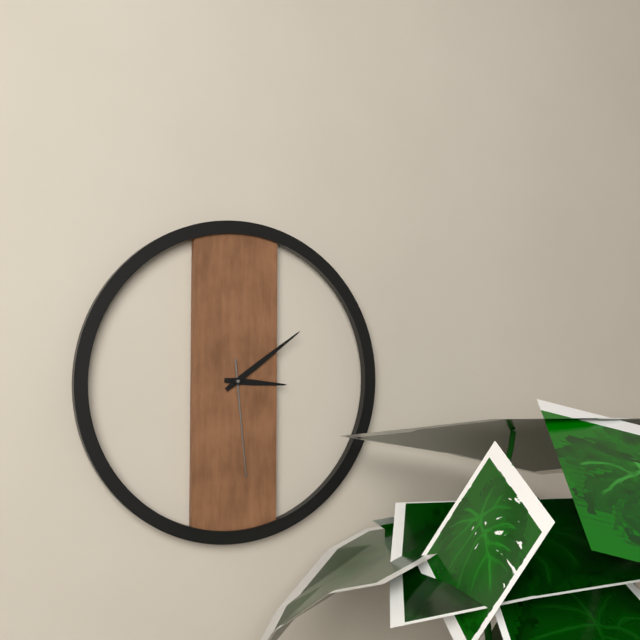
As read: h=3 m=9 s=29
